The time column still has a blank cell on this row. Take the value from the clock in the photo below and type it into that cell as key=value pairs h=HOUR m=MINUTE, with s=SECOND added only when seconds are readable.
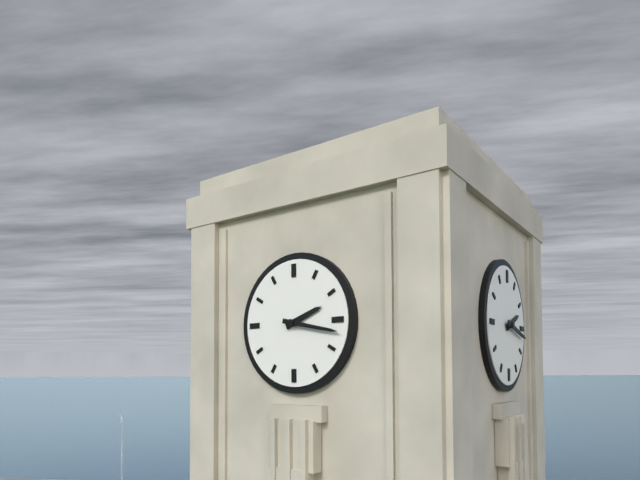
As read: h=2 m=17
